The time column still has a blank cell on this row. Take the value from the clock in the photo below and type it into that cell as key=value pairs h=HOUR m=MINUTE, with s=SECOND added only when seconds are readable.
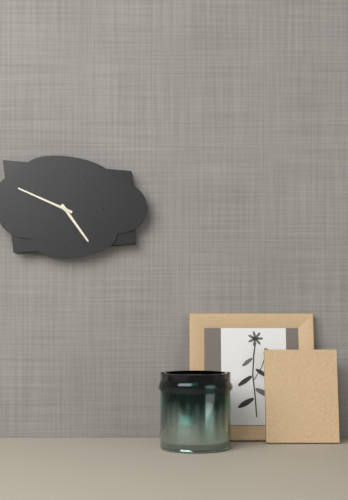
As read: h=4 m=49
